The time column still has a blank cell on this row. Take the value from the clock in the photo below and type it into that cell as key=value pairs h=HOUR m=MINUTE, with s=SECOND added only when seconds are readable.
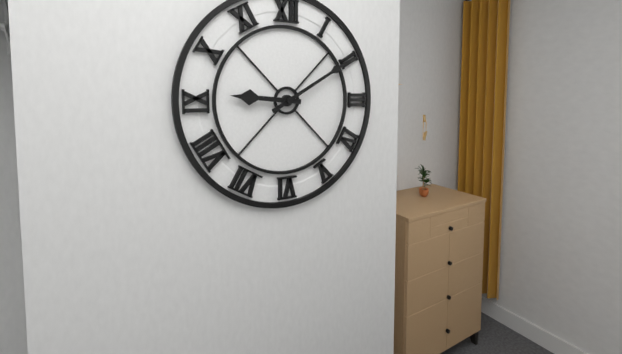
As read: h=9 m=10
